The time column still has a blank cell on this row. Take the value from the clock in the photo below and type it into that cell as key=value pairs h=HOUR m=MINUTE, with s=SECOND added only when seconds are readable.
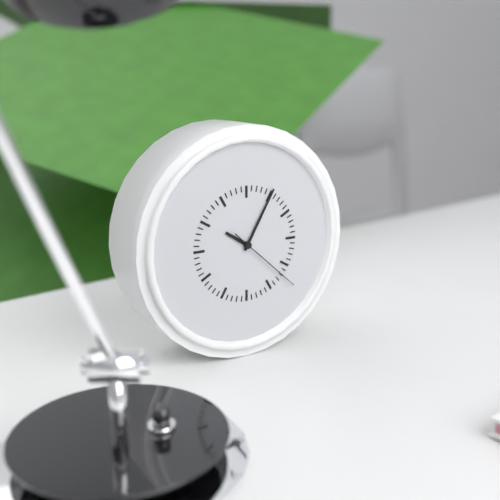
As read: h=10 m=5 s=22
